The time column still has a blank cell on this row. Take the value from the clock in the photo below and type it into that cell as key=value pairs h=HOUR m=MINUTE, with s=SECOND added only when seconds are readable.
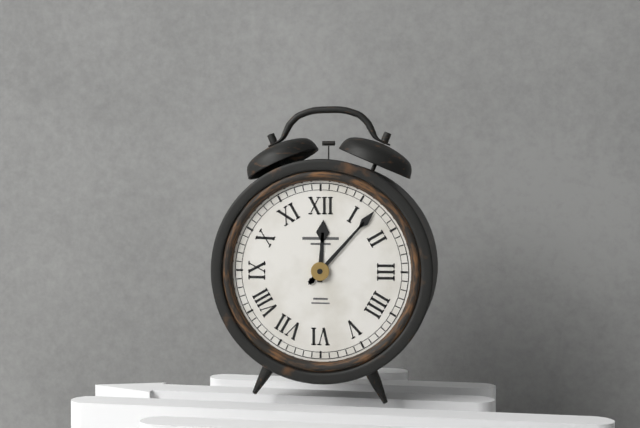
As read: h=12 m=7
